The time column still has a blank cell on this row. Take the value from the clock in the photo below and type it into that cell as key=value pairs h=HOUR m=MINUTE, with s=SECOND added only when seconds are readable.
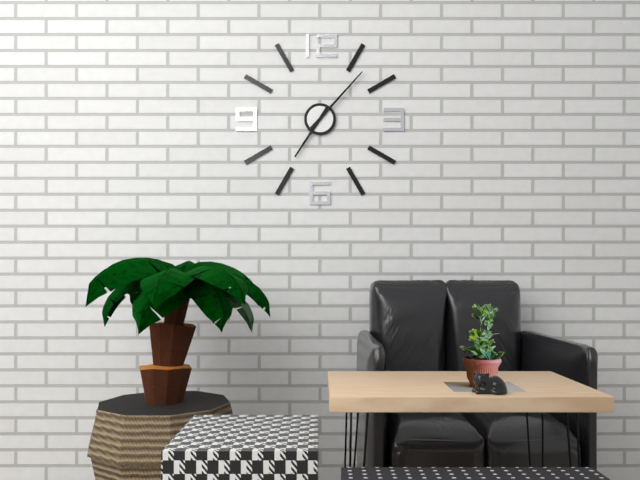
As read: h=7 m=7
